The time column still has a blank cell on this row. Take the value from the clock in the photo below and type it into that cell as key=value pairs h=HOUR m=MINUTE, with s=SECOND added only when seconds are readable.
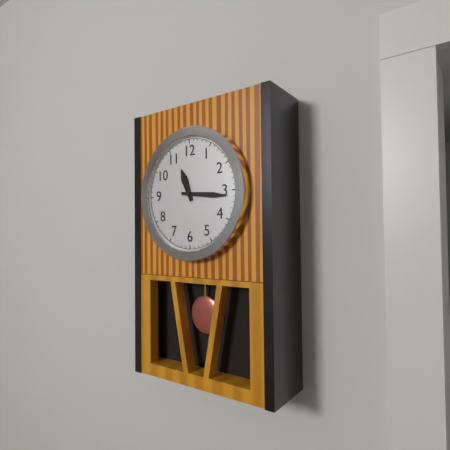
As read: h=11 m=16
